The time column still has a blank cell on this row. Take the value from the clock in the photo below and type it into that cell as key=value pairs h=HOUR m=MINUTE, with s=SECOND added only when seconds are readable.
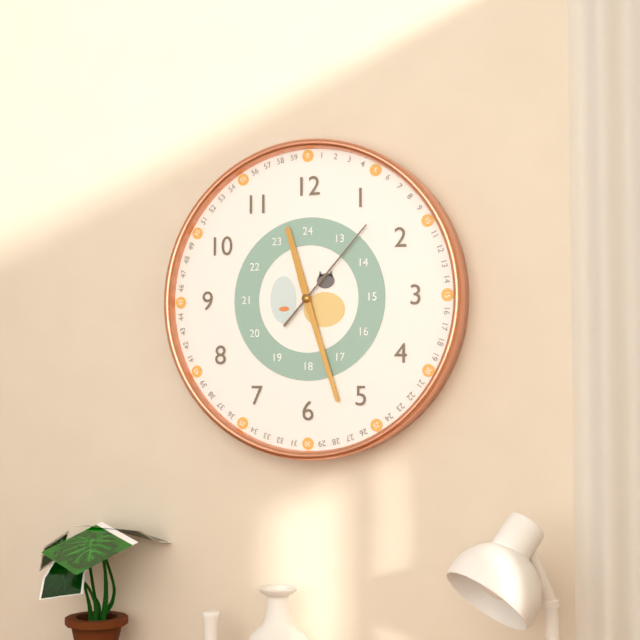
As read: h=11 m=27 s=7
